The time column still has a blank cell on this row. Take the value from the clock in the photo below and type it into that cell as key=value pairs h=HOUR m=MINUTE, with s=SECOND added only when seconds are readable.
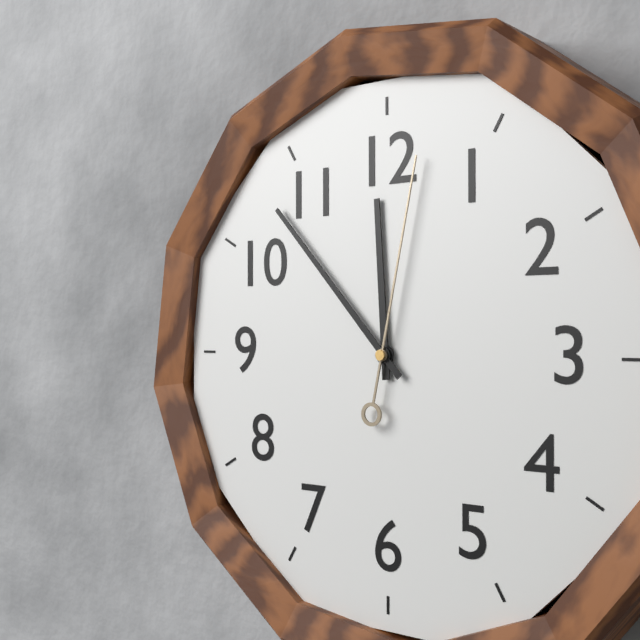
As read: h=11 m=53 s=2
